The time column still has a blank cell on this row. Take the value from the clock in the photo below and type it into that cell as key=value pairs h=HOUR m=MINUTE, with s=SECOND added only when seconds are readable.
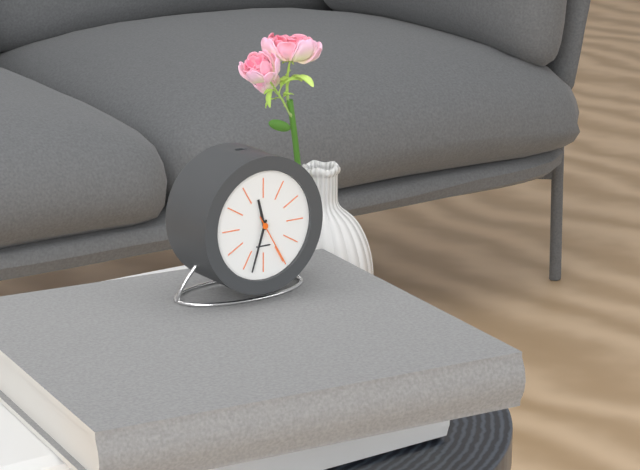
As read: h=11 m=33 s=25
